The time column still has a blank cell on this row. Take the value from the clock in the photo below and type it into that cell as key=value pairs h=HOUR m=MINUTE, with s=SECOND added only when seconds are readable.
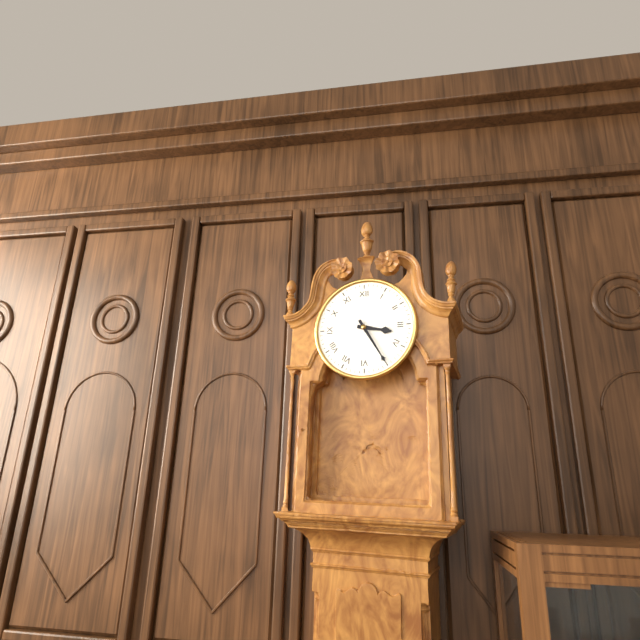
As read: h=3 m=25
